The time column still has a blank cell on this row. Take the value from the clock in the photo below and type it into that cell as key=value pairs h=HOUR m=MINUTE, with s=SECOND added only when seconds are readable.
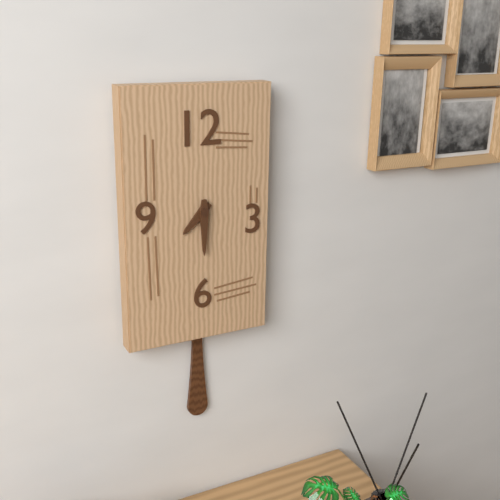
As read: h=7 m=30
